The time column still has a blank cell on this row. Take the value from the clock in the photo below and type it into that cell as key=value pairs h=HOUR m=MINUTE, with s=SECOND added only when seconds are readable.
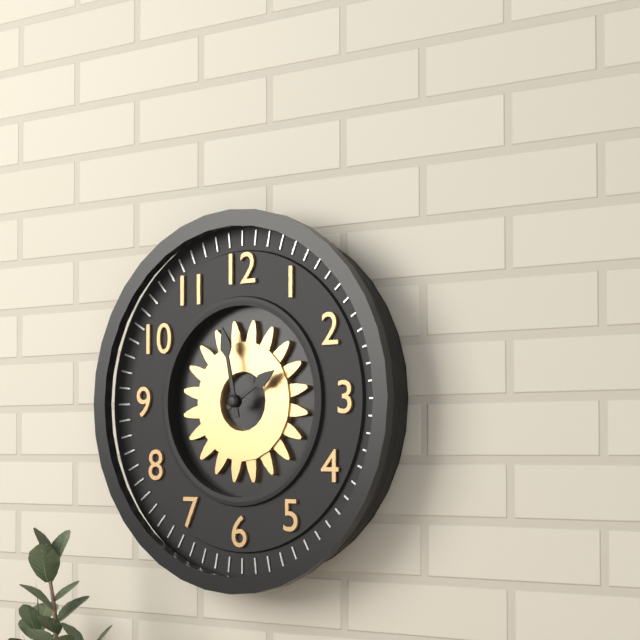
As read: h=1 m=58
